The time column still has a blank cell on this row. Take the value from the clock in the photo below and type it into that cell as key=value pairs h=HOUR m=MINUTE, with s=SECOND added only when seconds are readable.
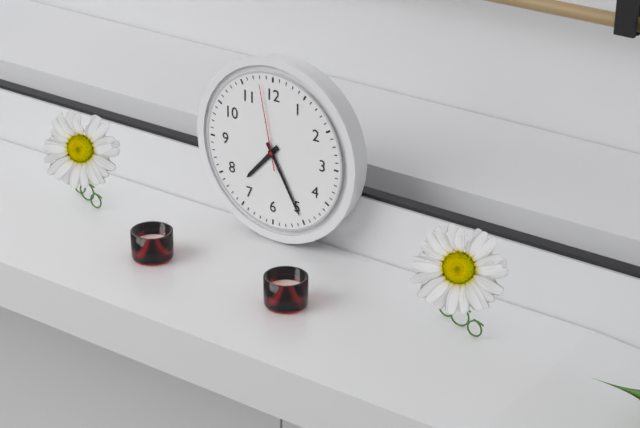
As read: h=7 m=25 s=58
